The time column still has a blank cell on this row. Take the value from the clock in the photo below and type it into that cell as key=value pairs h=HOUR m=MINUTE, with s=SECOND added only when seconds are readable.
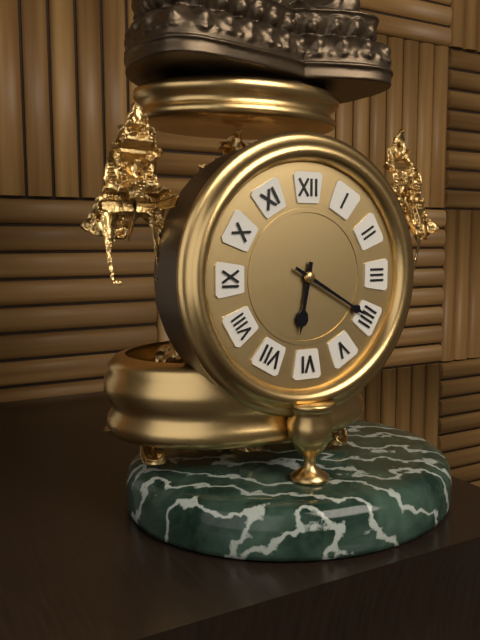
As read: h=6 m=20
